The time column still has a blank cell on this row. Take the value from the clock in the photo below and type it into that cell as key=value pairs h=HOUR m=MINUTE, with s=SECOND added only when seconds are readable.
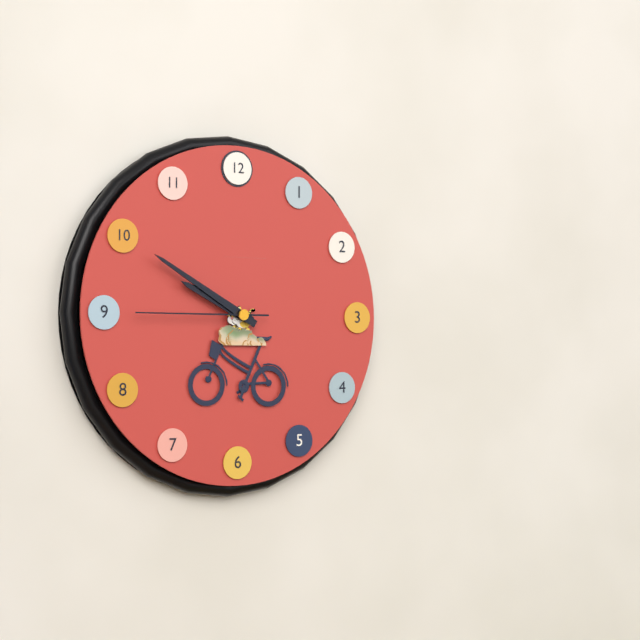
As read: h=9 m=50 s=45
